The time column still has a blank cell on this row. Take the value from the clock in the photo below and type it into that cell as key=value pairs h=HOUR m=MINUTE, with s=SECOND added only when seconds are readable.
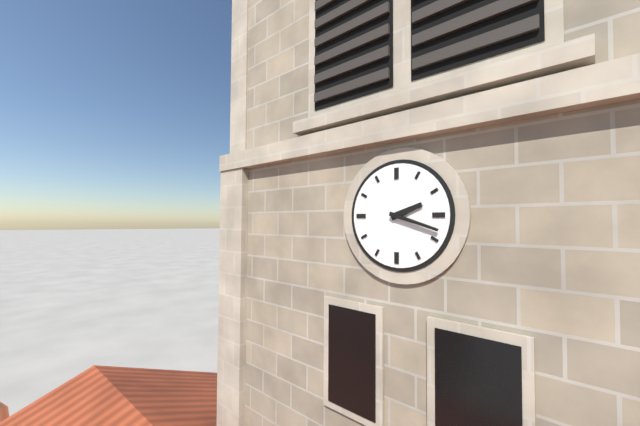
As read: h=2 m=18
